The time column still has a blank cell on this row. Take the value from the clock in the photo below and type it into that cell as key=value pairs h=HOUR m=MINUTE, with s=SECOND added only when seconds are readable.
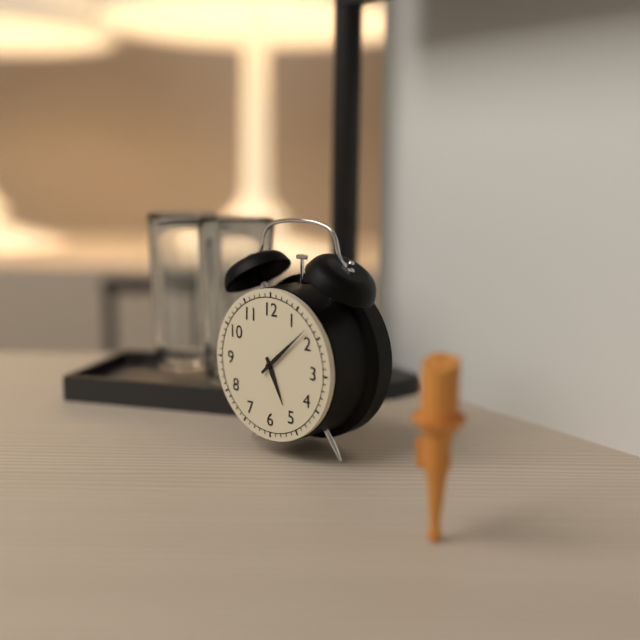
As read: h=5 m=8
